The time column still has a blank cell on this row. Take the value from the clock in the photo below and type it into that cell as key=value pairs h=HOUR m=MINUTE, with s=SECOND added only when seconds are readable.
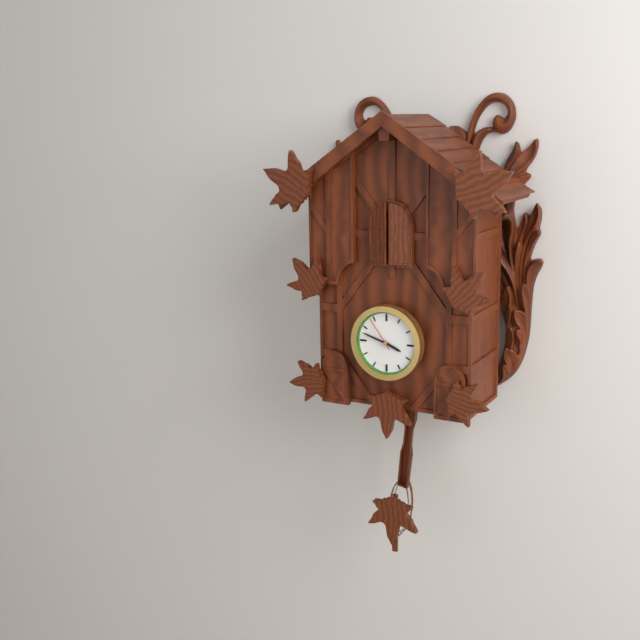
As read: h=3 m=48
